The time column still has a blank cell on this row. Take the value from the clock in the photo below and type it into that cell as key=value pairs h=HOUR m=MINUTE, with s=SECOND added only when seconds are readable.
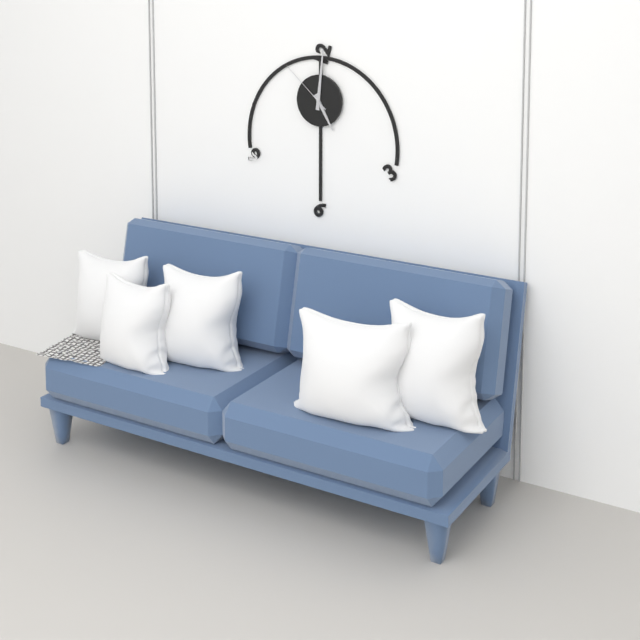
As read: h=5 m=1 s=52
